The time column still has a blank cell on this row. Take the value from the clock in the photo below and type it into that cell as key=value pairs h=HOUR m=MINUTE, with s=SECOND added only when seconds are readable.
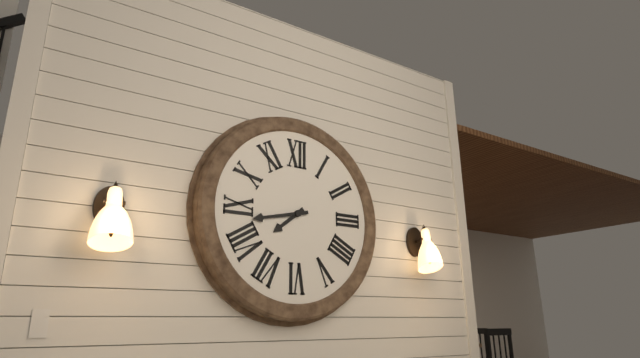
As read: h=7 m=43
